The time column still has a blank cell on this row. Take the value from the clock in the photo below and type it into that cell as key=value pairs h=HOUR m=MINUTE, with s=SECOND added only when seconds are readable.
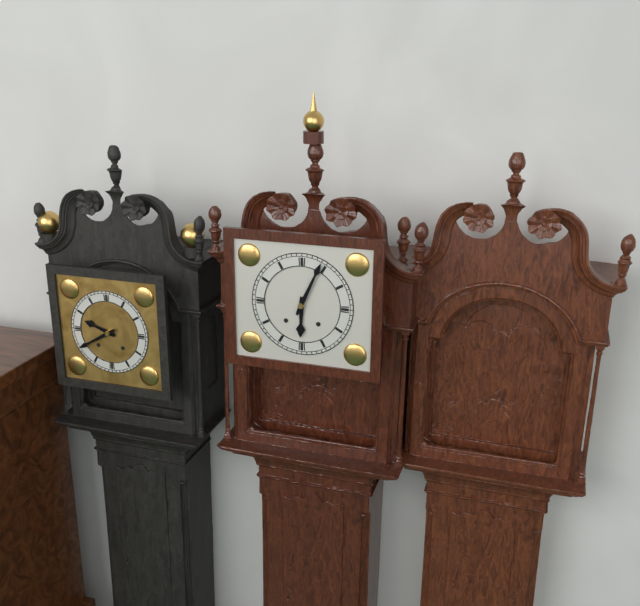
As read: h=6 m=4
